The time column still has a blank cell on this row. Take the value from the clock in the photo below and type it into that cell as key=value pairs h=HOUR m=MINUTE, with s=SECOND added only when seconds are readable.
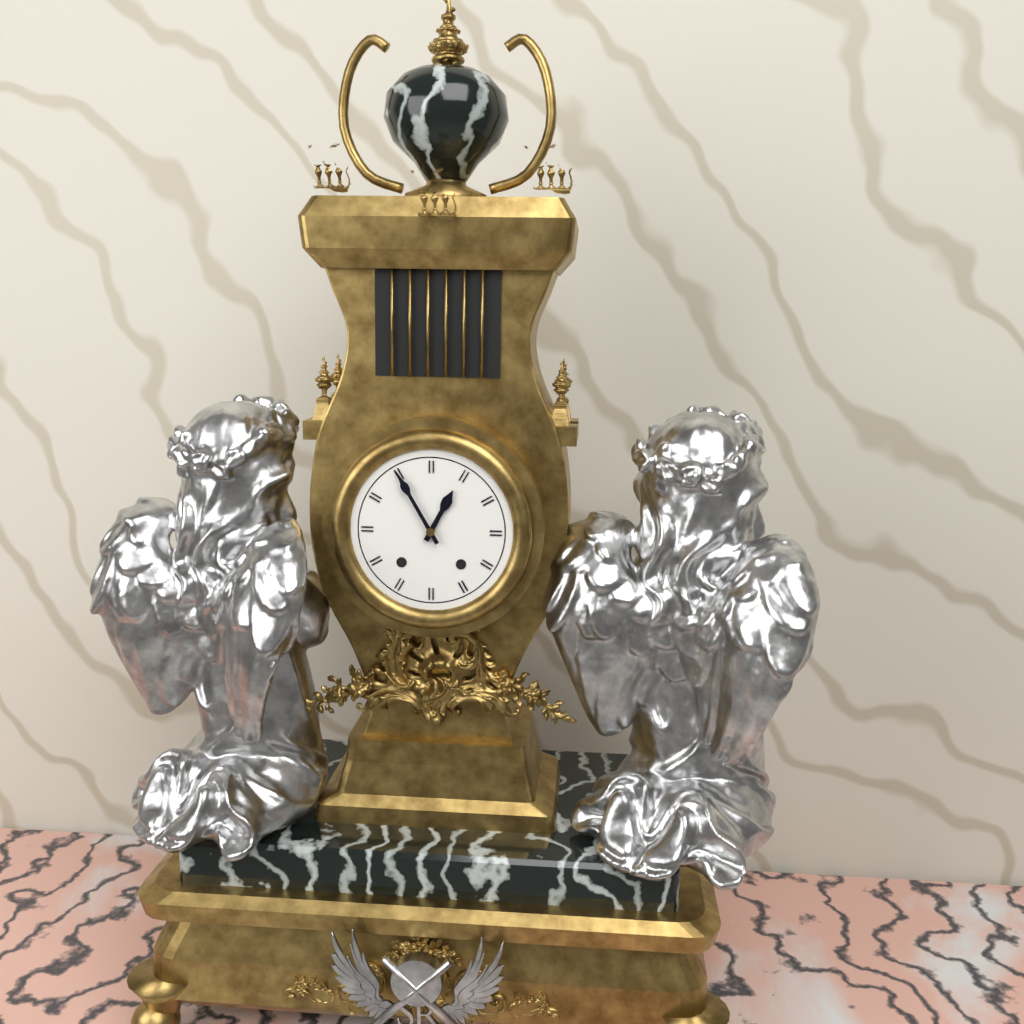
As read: h=12 m=55
